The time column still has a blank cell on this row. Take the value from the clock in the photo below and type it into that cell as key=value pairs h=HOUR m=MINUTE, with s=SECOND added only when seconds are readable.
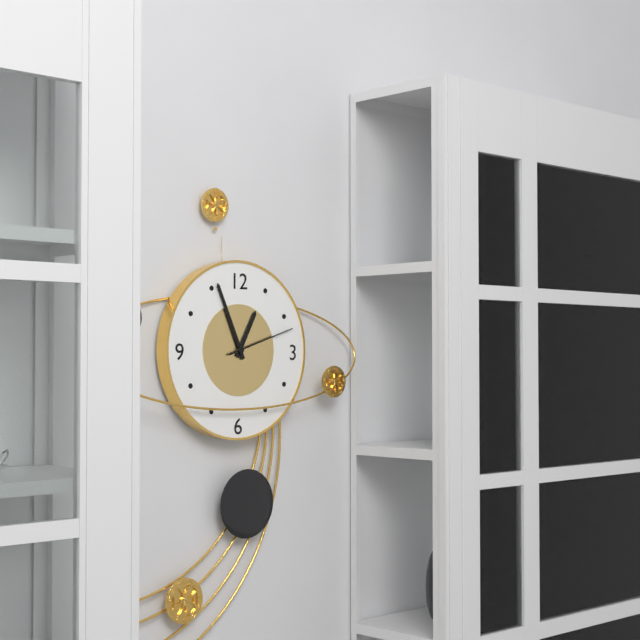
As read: h=12 m=56 s=12
